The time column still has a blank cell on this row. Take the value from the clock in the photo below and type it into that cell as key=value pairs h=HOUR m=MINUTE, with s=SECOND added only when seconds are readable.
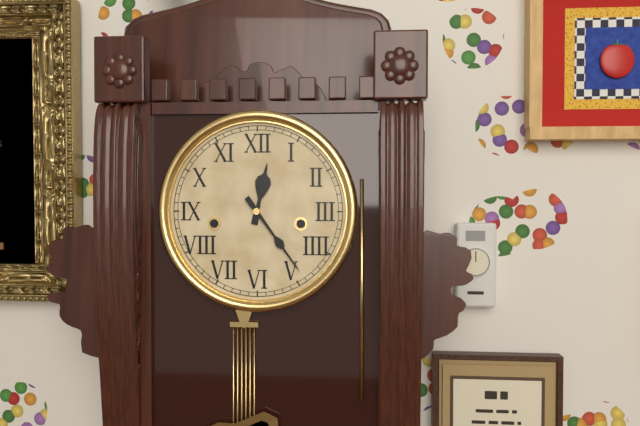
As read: h=12 m=24
